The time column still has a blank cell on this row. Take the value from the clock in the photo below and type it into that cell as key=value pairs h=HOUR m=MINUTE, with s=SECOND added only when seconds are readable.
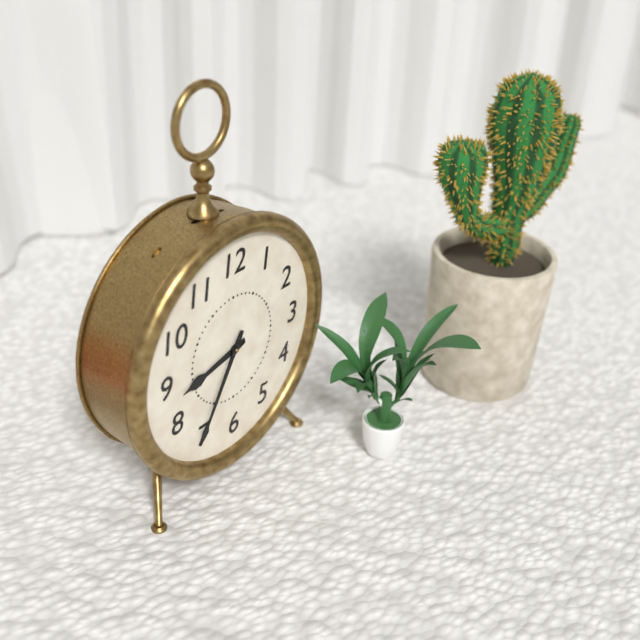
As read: h=8 m=35
